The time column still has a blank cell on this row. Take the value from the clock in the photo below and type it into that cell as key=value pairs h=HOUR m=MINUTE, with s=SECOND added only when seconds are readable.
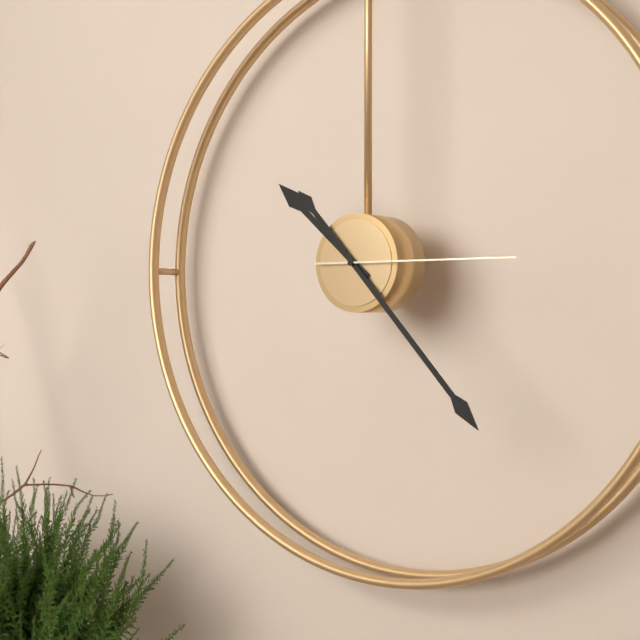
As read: h=10 m=23 s=15
